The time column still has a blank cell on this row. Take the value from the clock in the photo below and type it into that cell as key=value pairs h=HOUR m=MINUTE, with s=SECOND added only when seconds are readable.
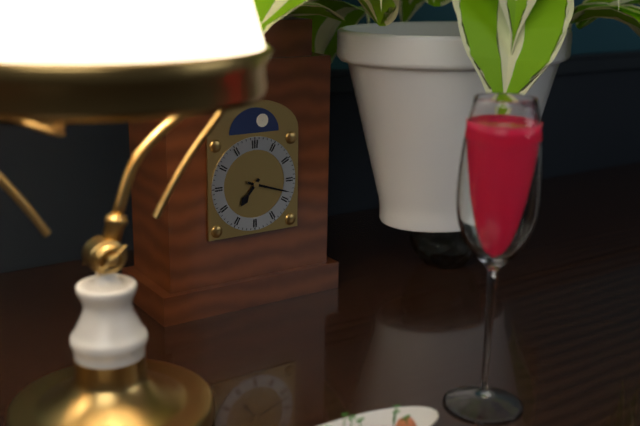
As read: h=7 m=18
